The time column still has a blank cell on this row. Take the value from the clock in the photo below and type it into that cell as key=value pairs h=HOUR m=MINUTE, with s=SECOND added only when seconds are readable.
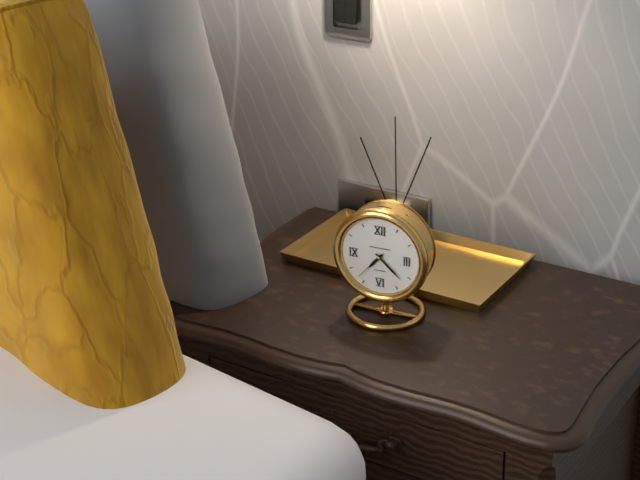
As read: h=7 m=22
